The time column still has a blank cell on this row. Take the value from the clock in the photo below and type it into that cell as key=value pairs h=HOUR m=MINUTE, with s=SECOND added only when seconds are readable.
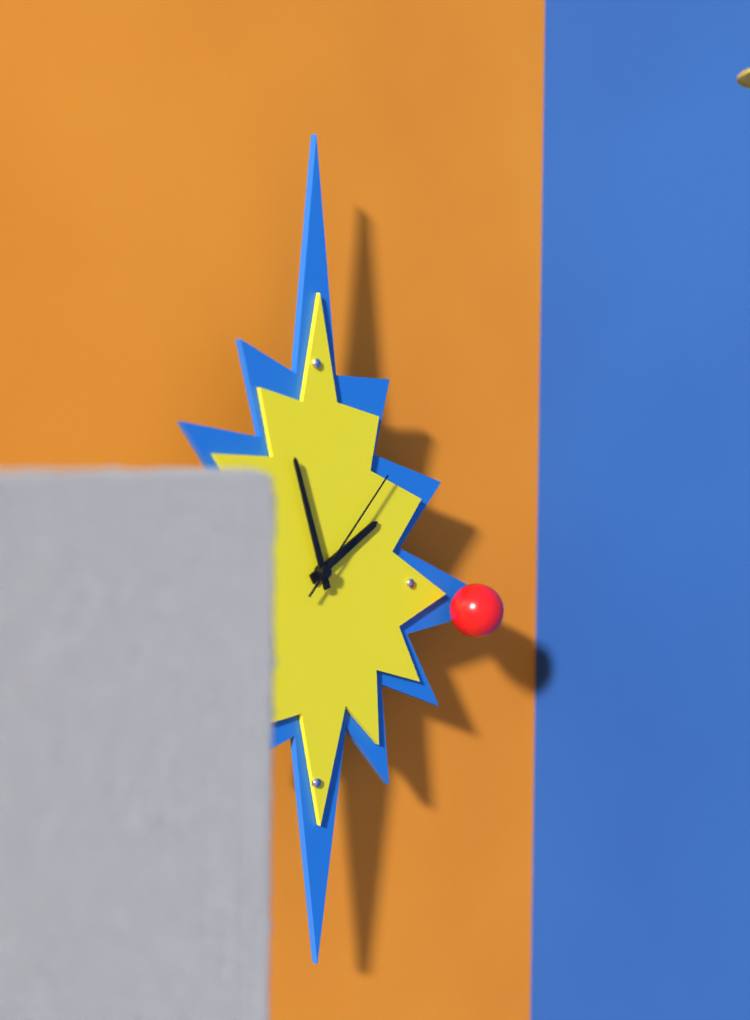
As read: h=1 m=57 s=7
